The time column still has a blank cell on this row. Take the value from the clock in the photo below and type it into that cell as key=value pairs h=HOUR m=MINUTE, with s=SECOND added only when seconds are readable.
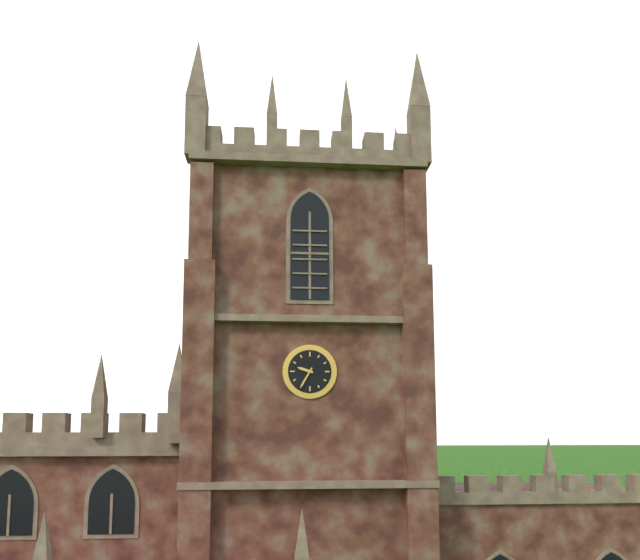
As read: h=9 m=35
